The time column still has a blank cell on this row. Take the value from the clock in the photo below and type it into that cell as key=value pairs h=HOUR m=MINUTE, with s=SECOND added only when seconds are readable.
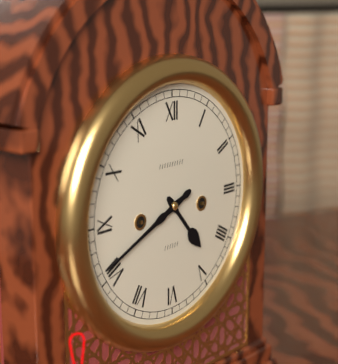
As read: h=4 m=41
